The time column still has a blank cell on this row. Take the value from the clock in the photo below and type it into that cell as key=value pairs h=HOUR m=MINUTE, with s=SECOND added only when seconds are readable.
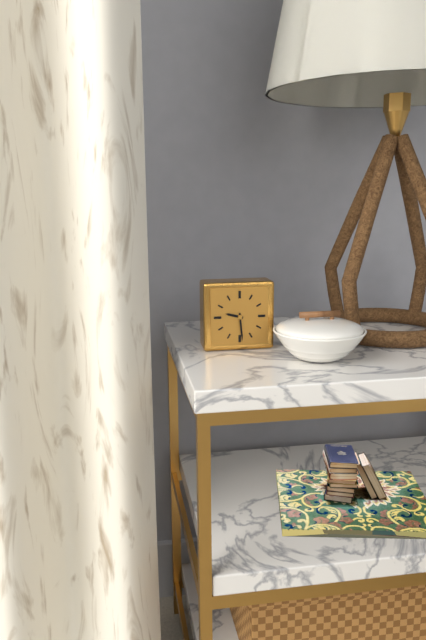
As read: h=9 m=29
